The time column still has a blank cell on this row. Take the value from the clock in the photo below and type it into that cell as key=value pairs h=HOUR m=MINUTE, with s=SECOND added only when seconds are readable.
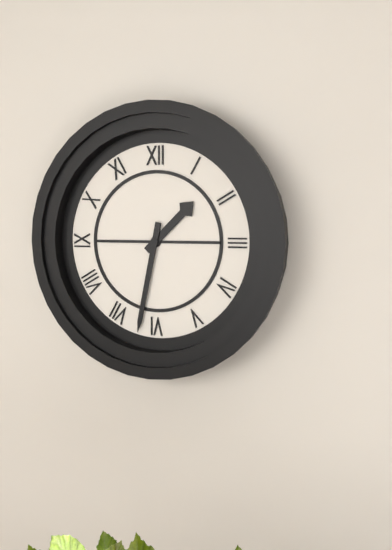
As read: h=1 m=32
